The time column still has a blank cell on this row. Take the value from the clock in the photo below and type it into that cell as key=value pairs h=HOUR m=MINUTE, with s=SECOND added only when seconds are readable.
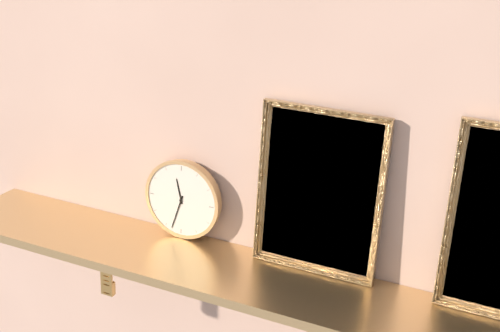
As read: h=11 m=33
